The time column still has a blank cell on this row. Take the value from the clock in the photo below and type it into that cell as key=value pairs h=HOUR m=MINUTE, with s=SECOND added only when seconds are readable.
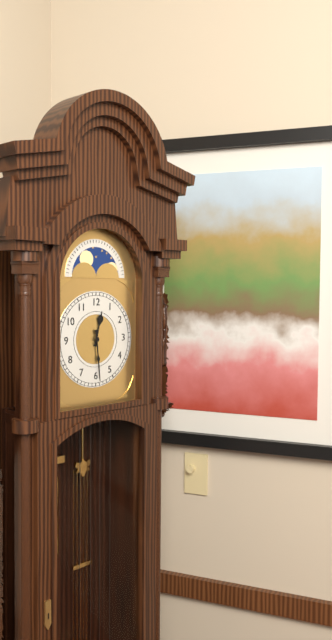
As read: h=12 m=29
